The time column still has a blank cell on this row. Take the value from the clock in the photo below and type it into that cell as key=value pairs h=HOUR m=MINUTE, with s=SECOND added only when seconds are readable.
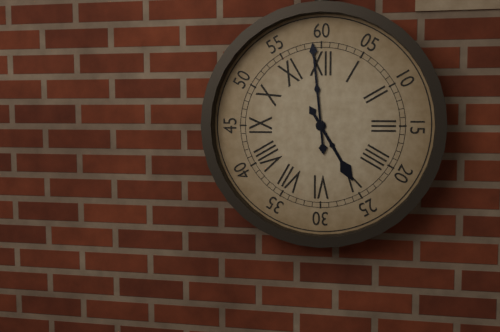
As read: h=4 m=59
